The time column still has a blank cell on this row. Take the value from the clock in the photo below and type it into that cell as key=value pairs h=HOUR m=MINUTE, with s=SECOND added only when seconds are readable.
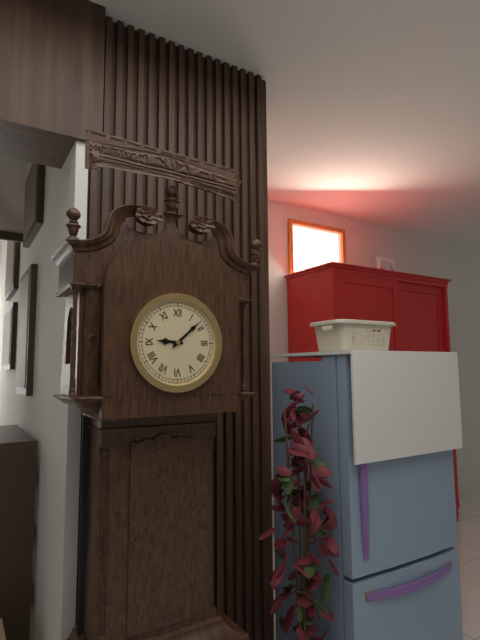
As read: h=9 m=8
